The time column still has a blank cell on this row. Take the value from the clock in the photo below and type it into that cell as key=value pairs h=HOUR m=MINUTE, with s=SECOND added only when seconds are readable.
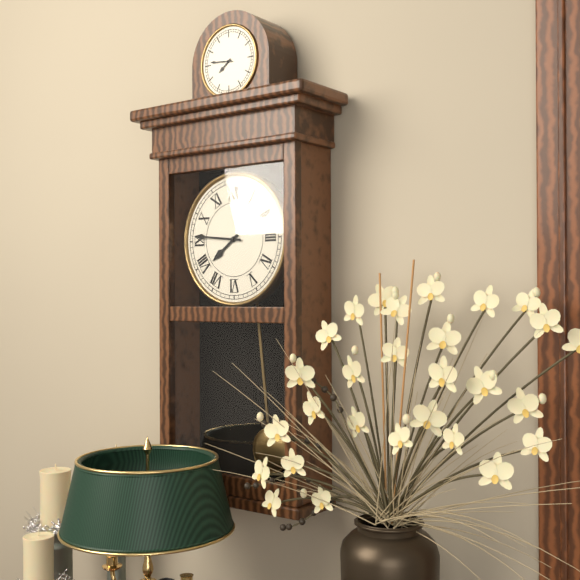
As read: h=7 m=46
